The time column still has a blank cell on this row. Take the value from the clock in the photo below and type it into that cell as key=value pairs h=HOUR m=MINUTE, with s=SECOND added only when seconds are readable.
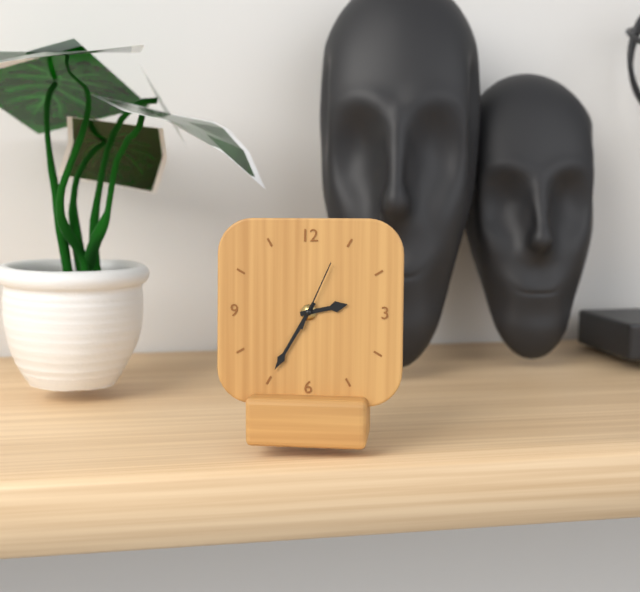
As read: h=2 m=35 s=4
